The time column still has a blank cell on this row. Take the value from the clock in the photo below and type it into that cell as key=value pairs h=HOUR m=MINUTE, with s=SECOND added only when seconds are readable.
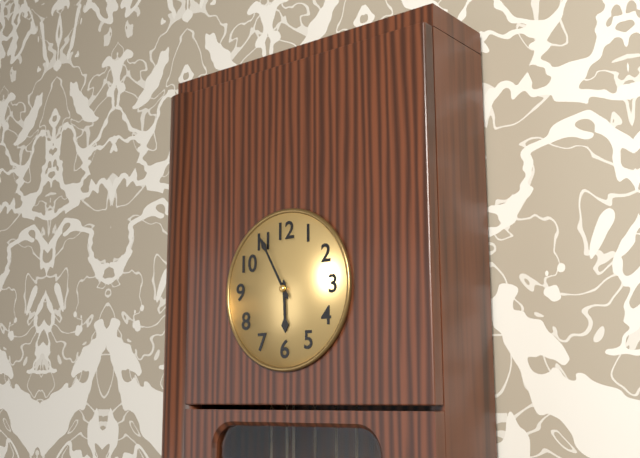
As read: h=5 m=55
